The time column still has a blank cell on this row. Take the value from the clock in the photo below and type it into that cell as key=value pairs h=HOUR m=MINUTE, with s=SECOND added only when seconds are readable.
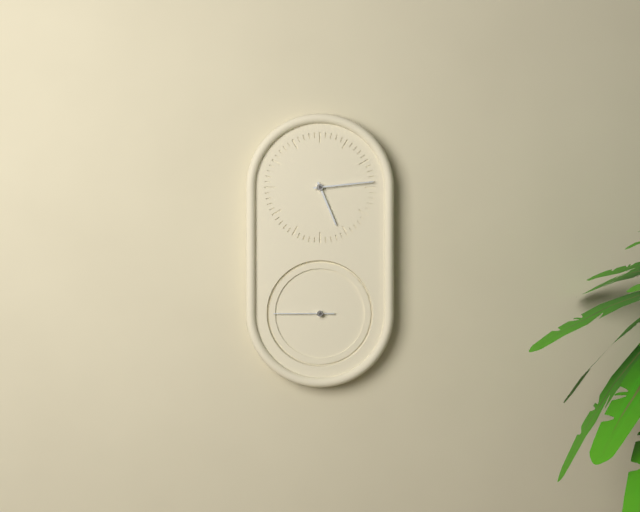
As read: h=5 m=14 s=45
